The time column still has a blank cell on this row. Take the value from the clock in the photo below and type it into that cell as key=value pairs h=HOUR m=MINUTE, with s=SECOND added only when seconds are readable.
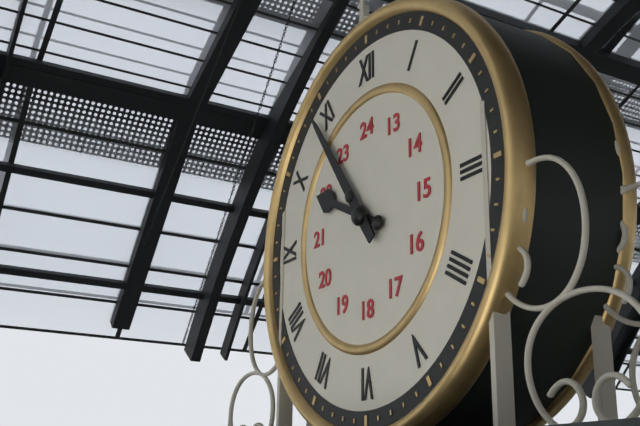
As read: h=9 m=54
